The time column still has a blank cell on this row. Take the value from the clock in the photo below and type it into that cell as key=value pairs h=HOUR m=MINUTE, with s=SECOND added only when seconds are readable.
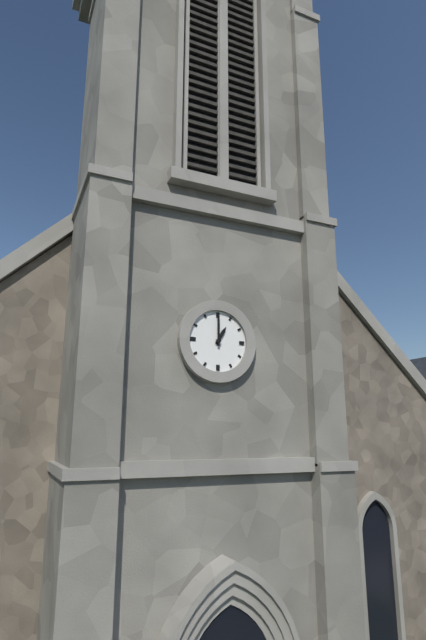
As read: h=1 m=0
